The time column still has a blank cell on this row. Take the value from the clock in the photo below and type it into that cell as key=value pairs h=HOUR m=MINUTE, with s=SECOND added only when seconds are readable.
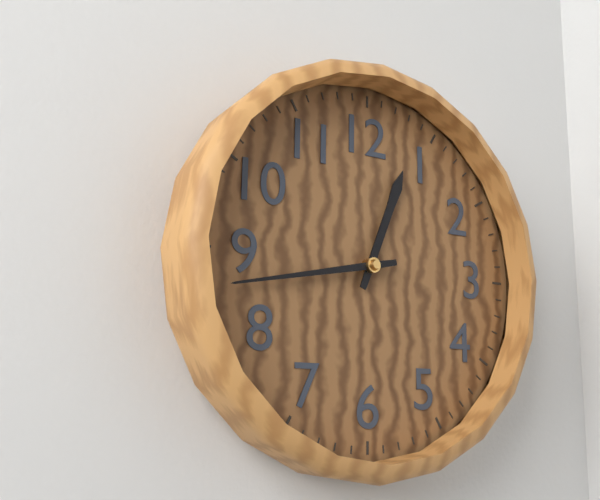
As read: h=12 m=43
